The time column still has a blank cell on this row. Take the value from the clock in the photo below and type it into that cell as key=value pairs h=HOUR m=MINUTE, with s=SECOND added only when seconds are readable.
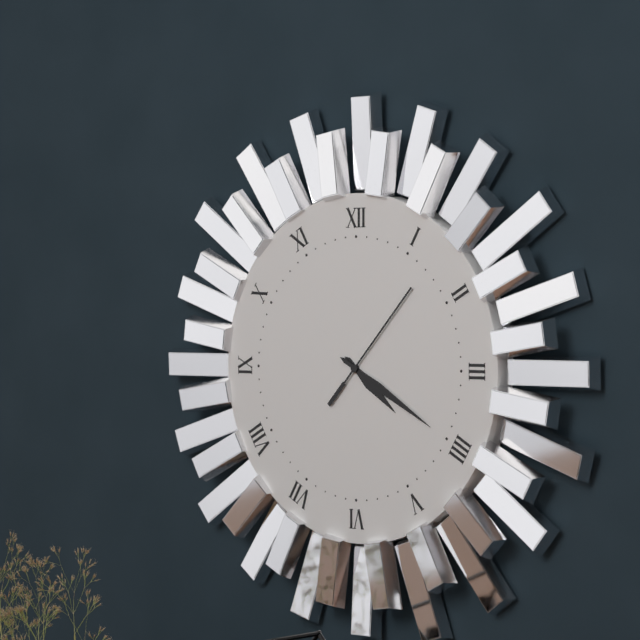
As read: h=4 m=20 s=7
